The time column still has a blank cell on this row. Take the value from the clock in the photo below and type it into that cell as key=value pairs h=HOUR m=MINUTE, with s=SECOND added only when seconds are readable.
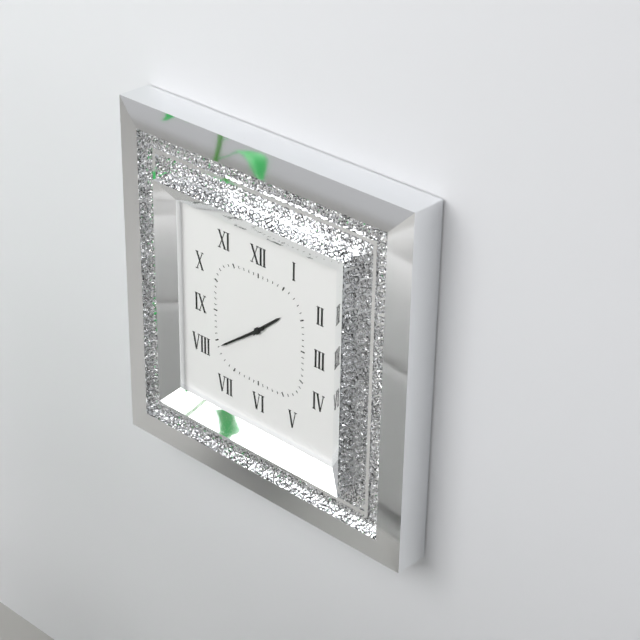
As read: h=1 m=39
